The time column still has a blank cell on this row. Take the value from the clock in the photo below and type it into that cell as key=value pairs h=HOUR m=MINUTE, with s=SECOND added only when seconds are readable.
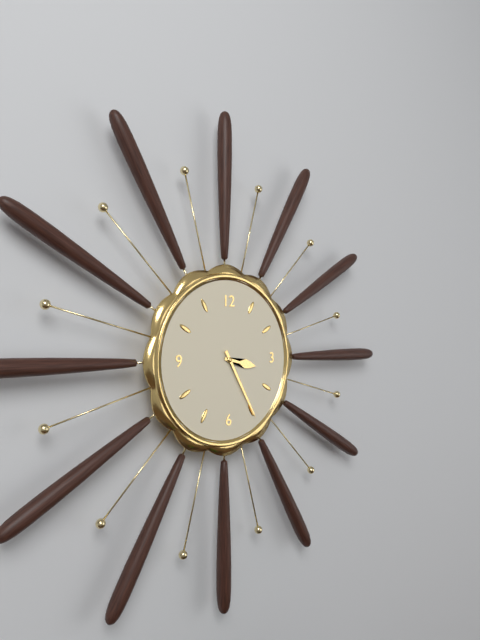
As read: h=3 m=25
